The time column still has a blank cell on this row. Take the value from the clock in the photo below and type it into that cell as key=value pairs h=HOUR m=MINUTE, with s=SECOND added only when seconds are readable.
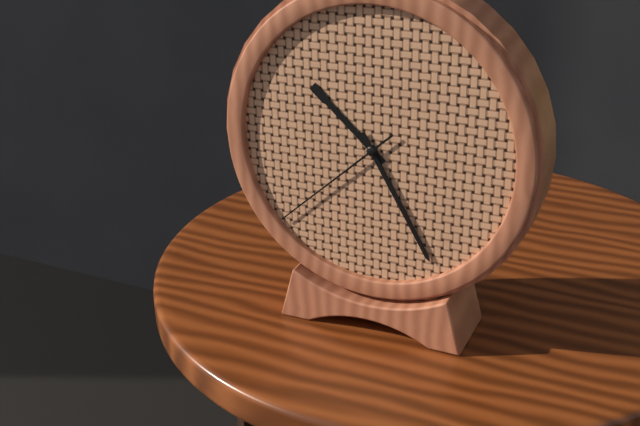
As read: h=10 m=25 s=38
